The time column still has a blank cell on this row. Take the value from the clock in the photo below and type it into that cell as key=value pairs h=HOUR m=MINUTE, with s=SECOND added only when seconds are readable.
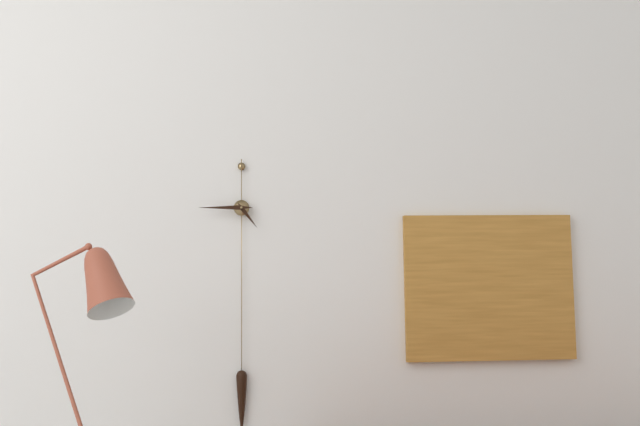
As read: h=4 m=45
